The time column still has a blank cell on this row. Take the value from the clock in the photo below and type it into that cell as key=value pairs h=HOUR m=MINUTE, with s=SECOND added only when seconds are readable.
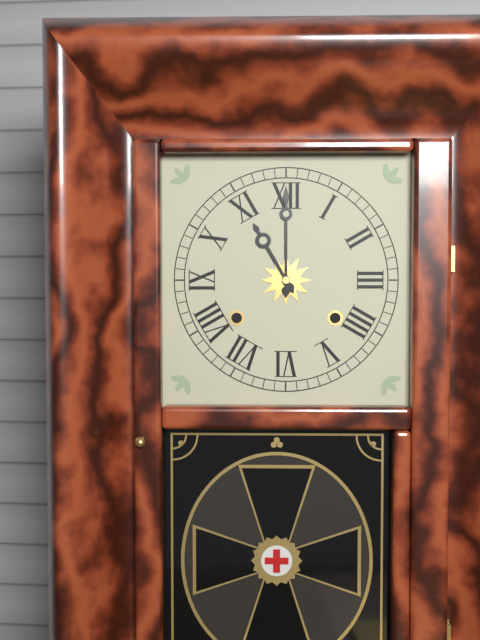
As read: h=11 m=0
